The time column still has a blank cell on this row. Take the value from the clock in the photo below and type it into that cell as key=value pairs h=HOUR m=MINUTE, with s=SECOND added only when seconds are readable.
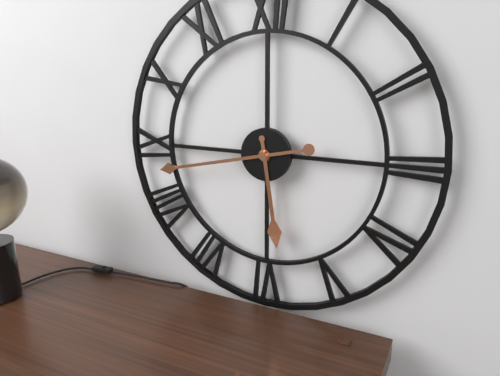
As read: h=5 m=43
